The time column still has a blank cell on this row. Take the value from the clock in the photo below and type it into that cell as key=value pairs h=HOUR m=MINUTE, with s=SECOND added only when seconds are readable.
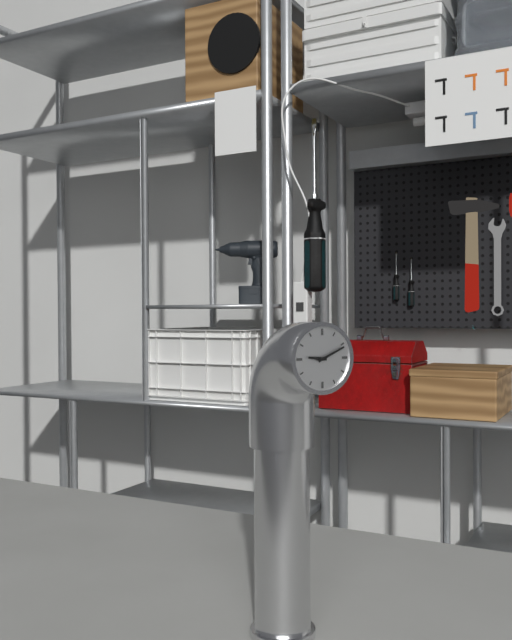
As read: h=9 m=11
